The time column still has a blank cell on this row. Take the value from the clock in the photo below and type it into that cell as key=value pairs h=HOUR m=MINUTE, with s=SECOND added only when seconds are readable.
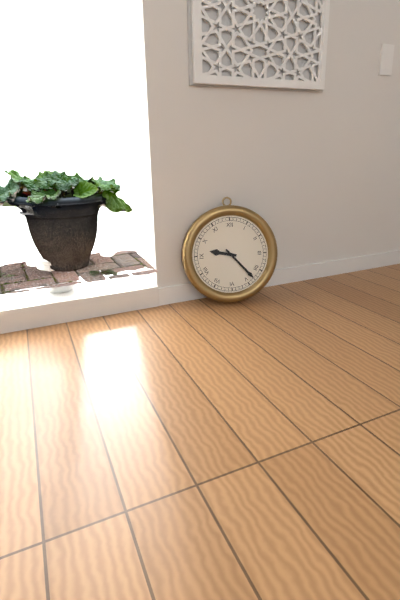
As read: h=9 m=23
